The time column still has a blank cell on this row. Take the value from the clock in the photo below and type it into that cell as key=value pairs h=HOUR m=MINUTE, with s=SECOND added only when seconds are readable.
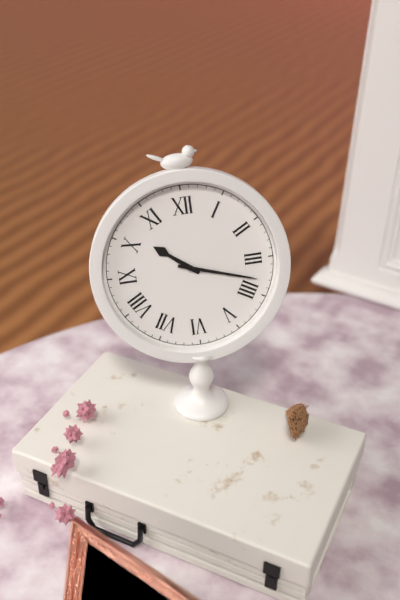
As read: h=10 m=18
